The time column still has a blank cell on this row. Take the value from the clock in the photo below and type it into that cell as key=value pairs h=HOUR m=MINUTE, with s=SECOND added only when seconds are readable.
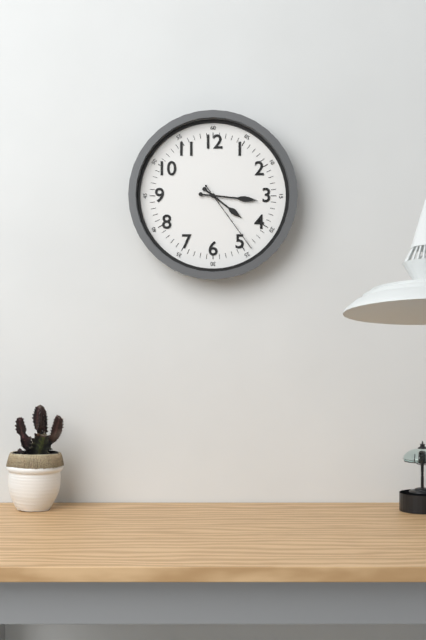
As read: h=4 m=16 s=24
